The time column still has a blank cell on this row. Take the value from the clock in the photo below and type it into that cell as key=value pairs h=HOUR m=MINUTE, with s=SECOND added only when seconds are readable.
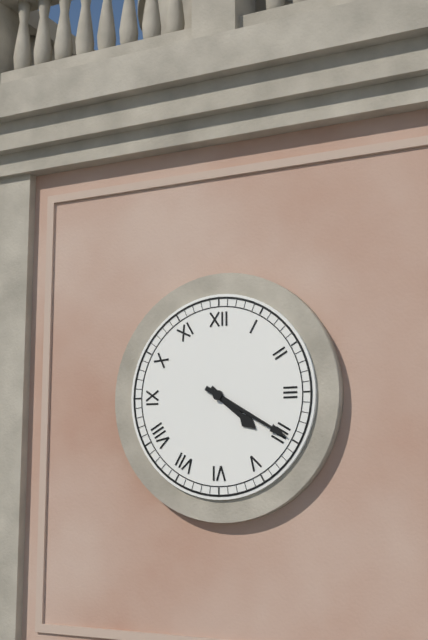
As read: h=4 m=20
